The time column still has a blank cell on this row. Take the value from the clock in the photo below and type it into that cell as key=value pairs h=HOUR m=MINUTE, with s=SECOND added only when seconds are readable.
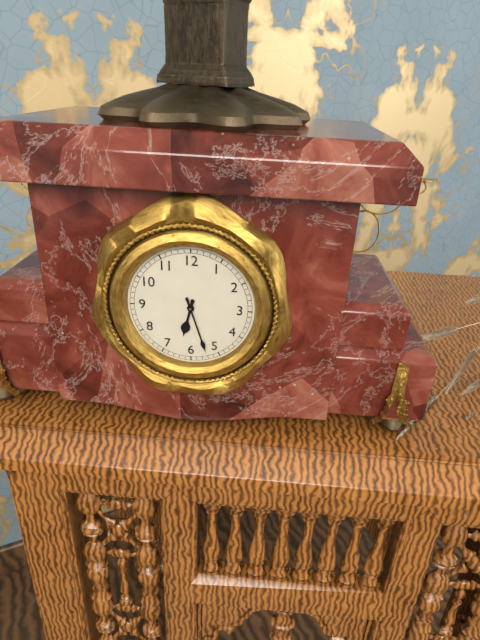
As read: h=6 m=27
